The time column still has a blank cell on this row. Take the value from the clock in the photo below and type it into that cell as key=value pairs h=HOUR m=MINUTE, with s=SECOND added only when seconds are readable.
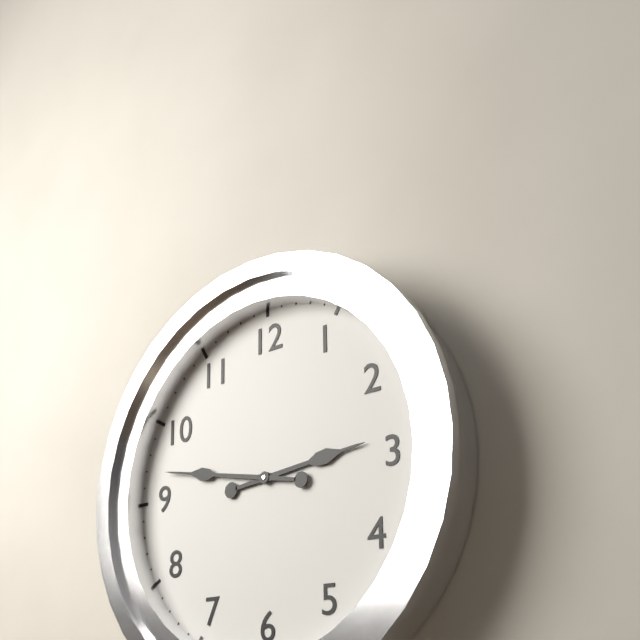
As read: h=2 m=47
